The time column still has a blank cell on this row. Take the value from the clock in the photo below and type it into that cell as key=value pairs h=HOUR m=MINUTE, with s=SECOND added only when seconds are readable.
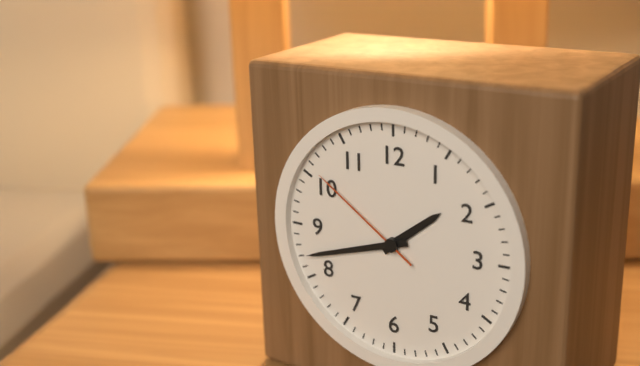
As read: h=1 m=42 s=51
